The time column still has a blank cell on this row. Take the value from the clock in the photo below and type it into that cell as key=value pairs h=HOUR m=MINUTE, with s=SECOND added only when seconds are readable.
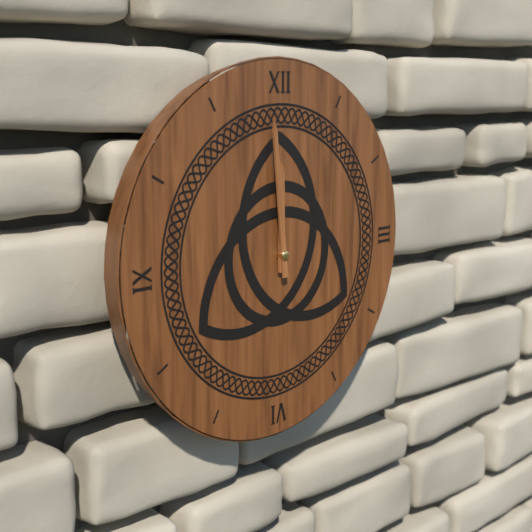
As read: h=11 m=59
